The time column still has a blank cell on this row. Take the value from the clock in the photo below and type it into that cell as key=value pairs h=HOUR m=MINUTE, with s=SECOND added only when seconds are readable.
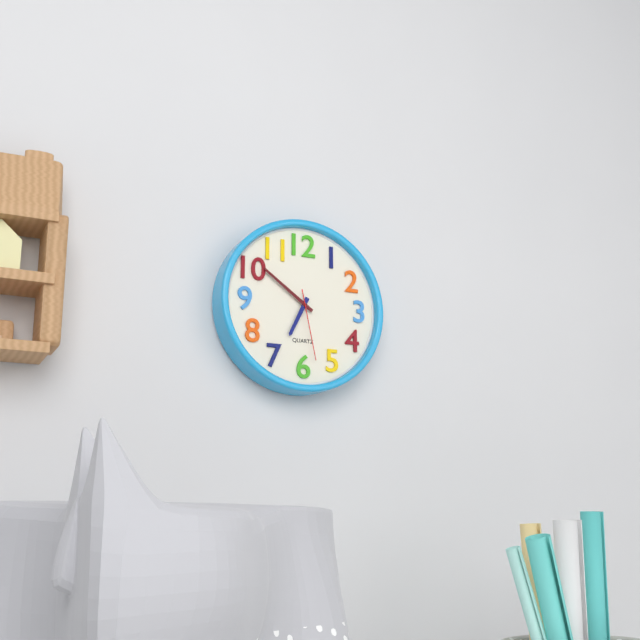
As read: h=6 m=51 s=28
